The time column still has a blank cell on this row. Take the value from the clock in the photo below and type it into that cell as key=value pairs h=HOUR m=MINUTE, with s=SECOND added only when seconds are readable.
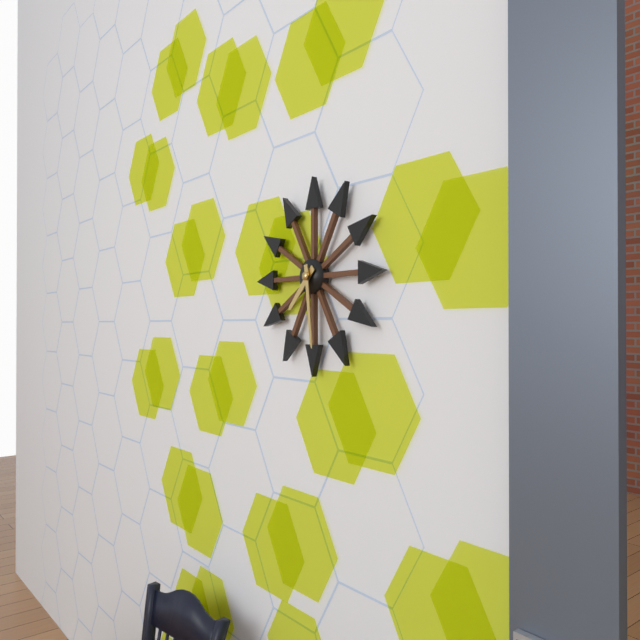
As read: h=7 m=29
